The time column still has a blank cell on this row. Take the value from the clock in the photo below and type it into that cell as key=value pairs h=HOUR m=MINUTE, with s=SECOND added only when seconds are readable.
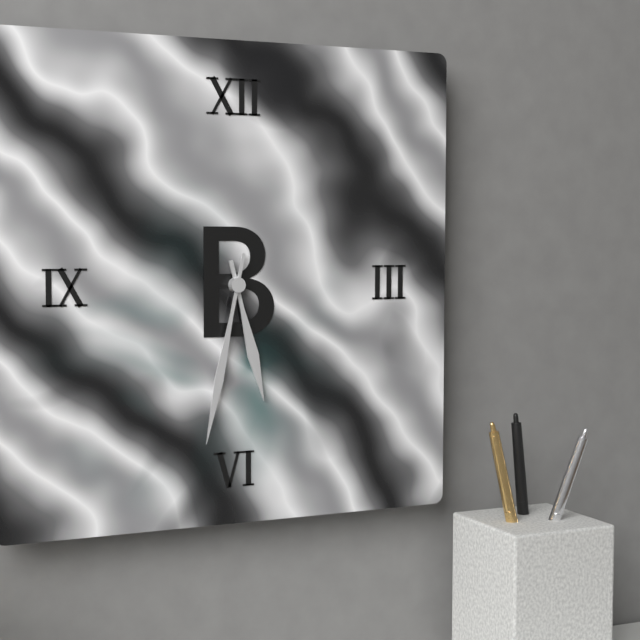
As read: h=5 m=32
